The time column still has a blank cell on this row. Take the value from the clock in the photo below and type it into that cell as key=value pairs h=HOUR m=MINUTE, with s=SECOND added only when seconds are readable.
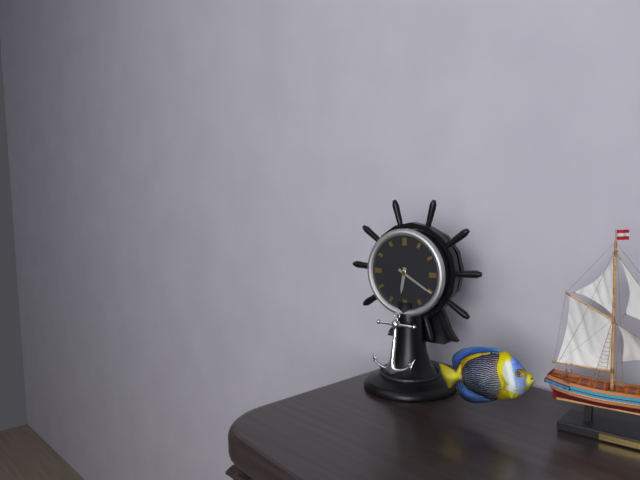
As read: h=6 m=20
